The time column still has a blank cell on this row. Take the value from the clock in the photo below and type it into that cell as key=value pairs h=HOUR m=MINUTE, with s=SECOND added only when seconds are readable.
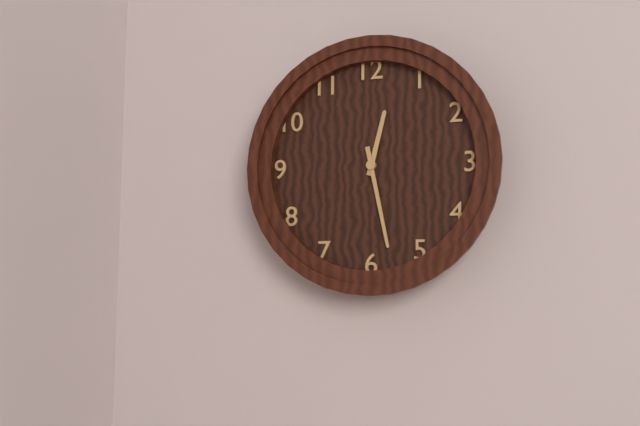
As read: h=12 m=28
